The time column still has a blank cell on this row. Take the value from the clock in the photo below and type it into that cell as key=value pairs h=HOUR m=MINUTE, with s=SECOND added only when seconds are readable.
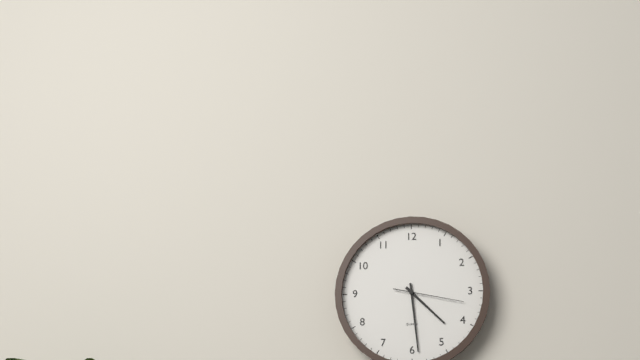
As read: h=4 m=29 s=17
